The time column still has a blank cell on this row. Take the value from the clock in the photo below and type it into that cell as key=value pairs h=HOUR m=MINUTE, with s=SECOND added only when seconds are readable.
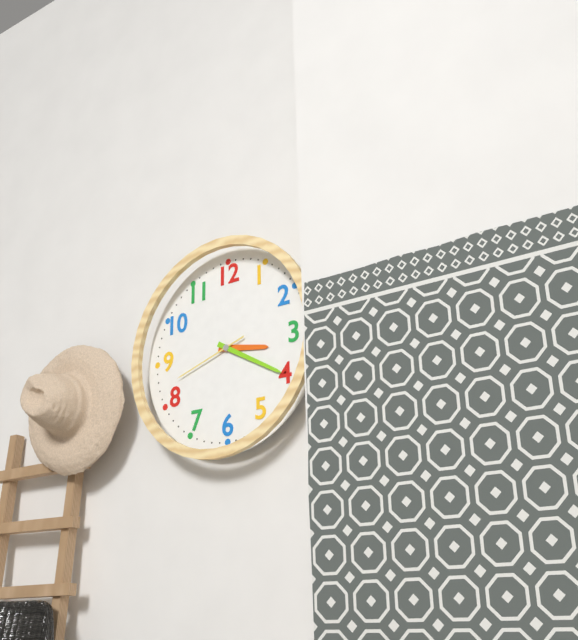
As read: h=3 m=20 s=42
